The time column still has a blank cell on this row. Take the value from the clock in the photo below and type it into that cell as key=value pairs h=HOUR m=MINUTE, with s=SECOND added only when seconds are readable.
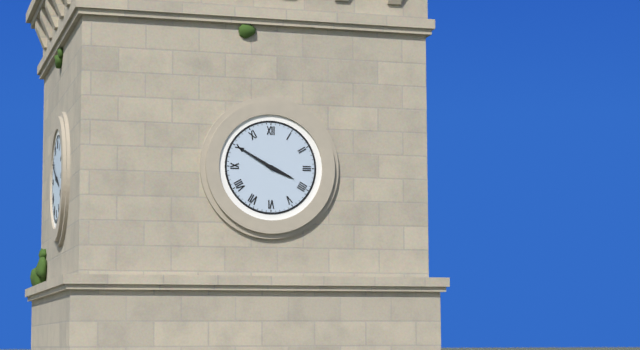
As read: h=3 m=50
